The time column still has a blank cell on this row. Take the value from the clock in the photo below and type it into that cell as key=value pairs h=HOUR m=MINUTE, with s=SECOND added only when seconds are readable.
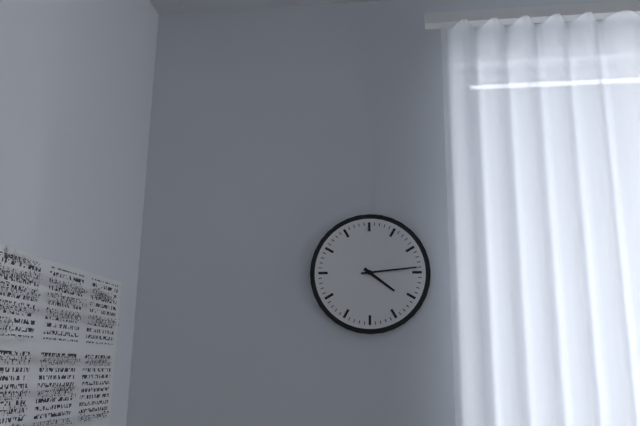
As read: h=4 m=14
